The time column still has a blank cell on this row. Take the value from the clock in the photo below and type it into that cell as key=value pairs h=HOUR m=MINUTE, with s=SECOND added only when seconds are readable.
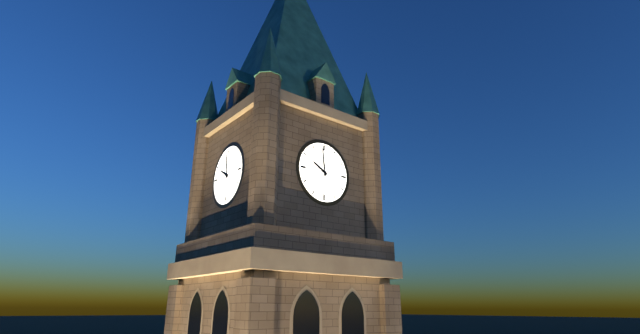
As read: h=9 m=59
